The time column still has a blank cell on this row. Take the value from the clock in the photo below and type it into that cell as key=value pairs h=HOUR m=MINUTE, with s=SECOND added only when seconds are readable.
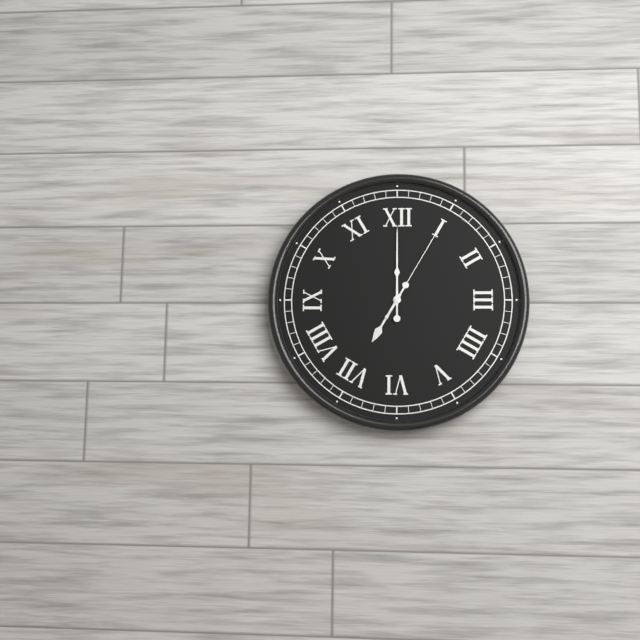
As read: h=7 m=0 s=5
